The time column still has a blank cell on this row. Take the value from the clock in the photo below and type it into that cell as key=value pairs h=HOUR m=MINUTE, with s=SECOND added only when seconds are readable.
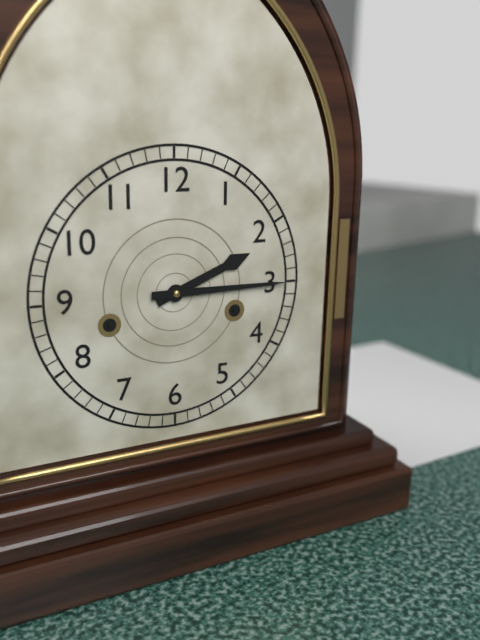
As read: h=2 m=15
